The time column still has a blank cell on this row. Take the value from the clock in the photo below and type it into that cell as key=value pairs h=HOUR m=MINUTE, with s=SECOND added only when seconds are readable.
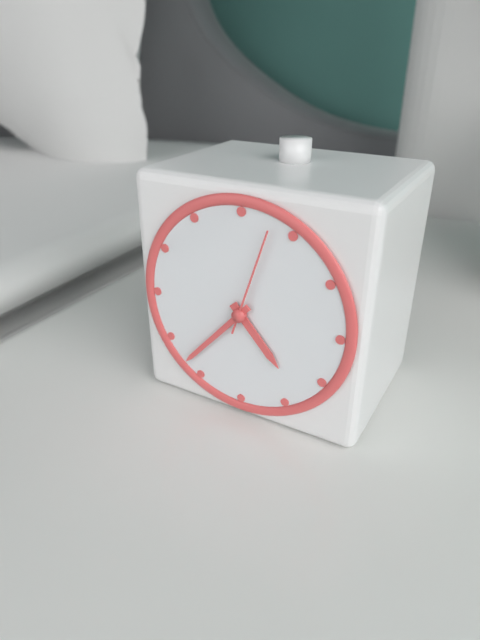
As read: h=4 m=37 s=3
